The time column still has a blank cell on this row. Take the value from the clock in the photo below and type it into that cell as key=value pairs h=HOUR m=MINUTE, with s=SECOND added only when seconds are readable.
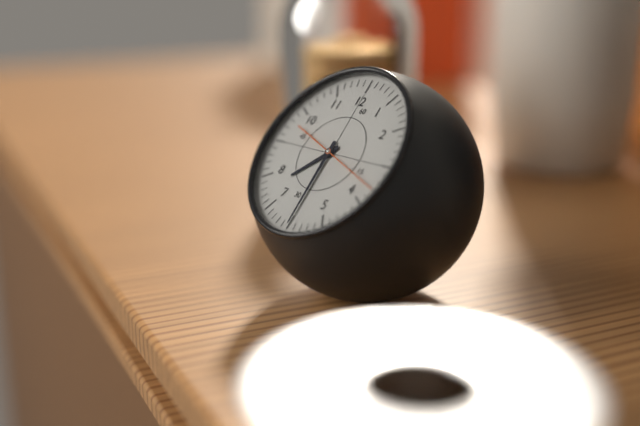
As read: h=7 m=30 s=18
